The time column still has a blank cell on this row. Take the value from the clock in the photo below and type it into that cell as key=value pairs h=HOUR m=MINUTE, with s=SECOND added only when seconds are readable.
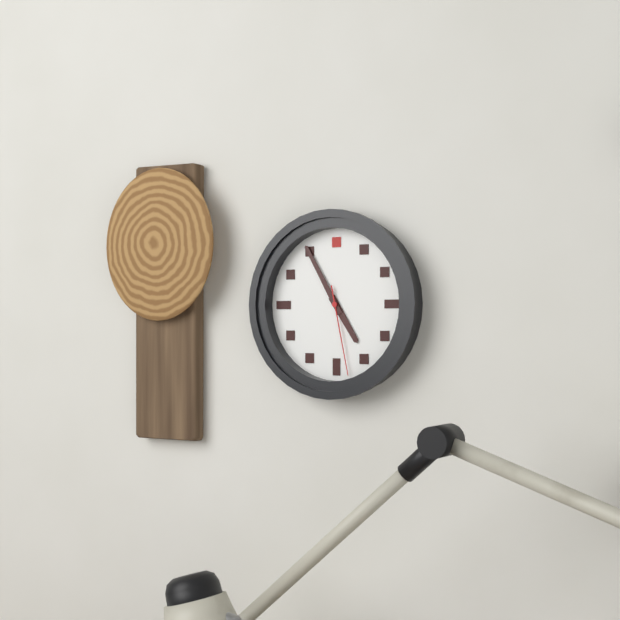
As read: h=4 m=55 s=28
